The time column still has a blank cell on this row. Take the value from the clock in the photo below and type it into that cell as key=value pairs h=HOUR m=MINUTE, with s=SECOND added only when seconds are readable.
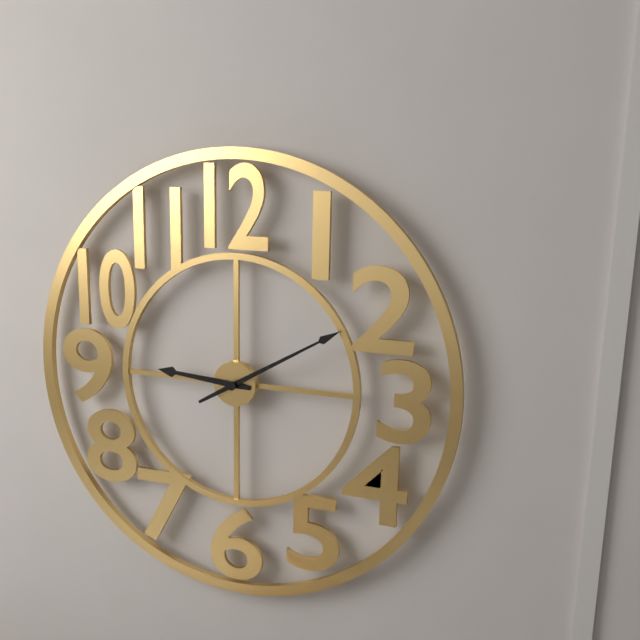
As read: h=9 m=10
